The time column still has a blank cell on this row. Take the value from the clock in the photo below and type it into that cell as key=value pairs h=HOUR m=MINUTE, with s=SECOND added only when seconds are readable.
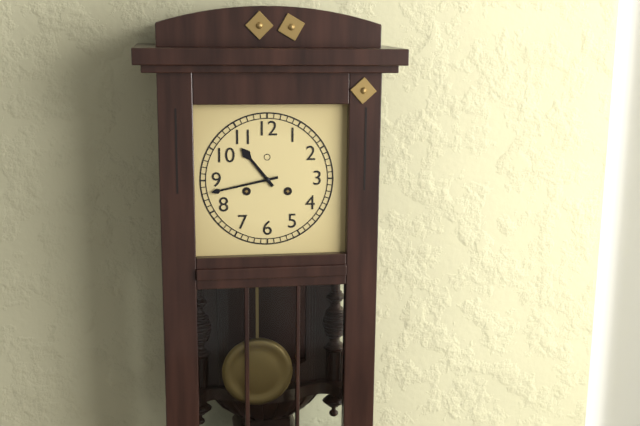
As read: h=10 m=43
